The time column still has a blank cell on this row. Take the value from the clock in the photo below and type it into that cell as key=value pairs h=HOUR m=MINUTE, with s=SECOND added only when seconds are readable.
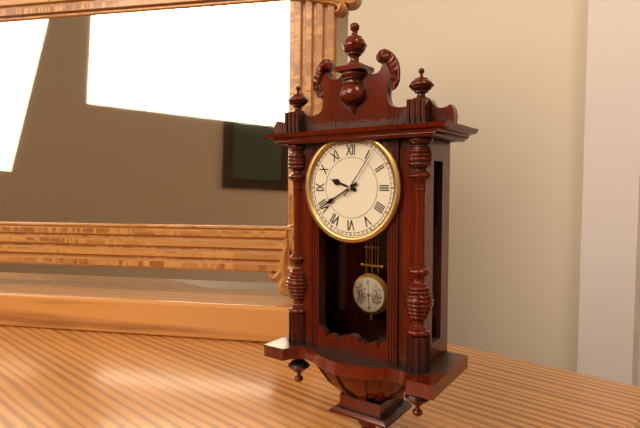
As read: h=9 m=40 s=6
